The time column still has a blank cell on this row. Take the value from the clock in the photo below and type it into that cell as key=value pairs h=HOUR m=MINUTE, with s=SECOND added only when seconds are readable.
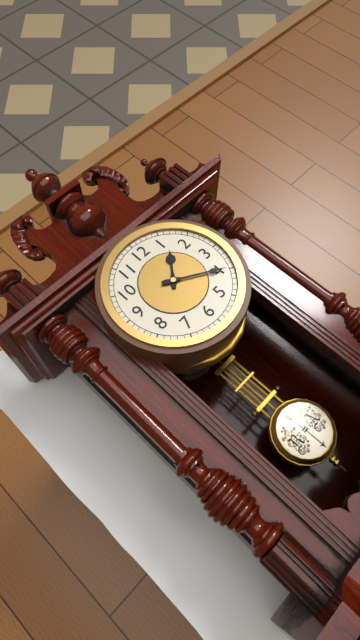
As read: h=1 m=20
